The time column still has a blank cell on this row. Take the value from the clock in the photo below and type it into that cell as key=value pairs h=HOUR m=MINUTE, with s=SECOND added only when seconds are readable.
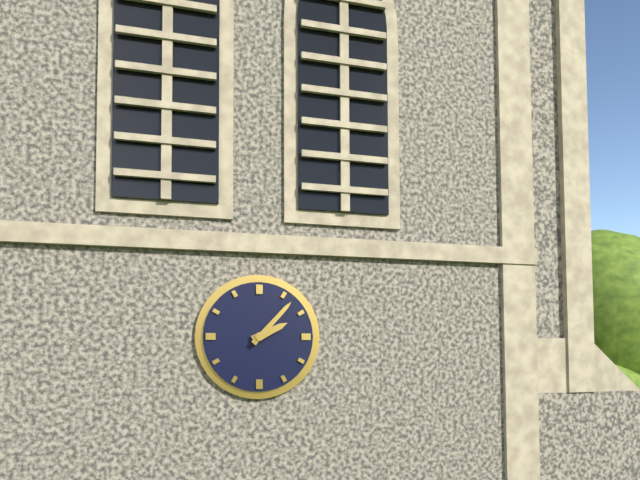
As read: h=2 m=7
